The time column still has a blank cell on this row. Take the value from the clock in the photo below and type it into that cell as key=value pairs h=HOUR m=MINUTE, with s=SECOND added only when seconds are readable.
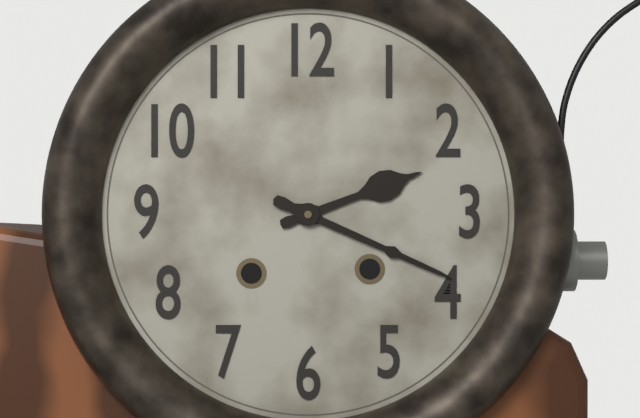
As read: h=2 m=19
